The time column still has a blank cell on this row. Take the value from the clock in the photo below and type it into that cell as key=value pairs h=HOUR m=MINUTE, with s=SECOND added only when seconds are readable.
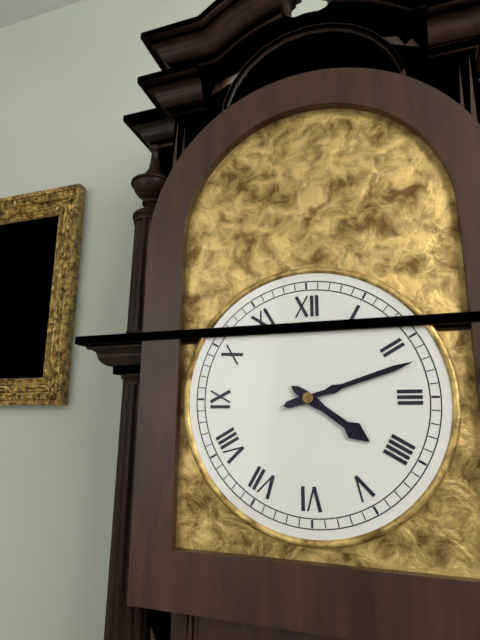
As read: h=4 m=12
